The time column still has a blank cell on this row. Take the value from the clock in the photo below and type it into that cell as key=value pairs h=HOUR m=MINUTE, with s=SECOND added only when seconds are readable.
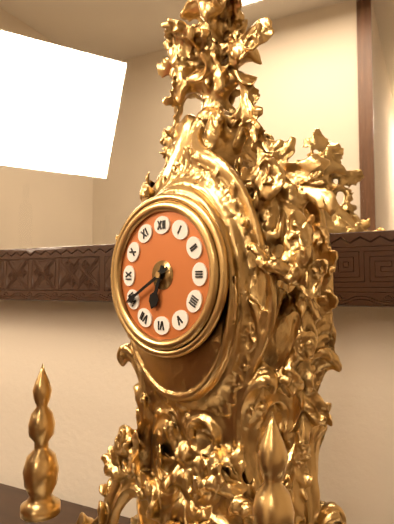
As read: h=6 m=40
